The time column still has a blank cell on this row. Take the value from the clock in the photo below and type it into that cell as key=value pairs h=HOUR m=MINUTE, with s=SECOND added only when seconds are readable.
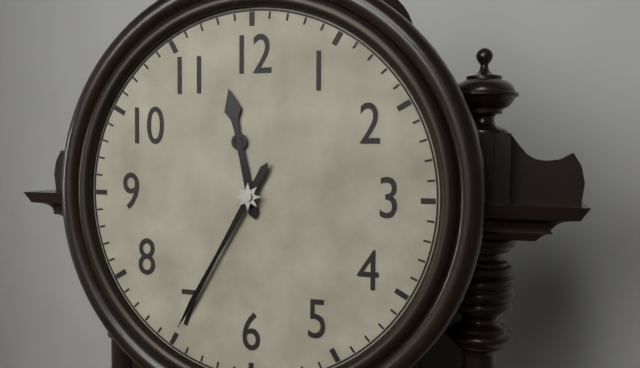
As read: h=11 m=35
